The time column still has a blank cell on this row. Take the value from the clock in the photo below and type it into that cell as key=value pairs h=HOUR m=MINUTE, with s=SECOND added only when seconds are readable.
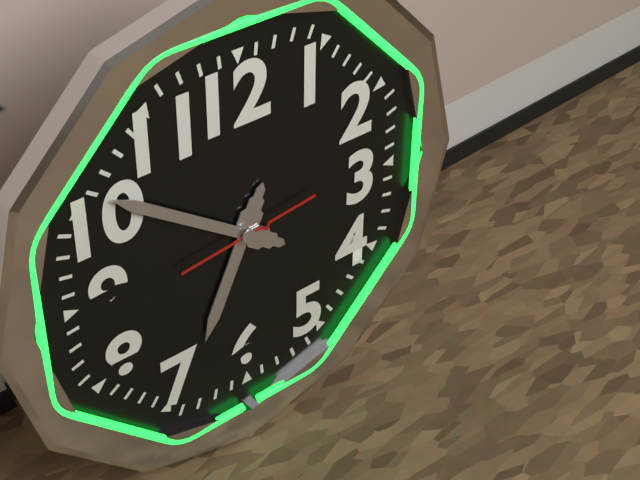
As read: h=6 m=51 s=14
